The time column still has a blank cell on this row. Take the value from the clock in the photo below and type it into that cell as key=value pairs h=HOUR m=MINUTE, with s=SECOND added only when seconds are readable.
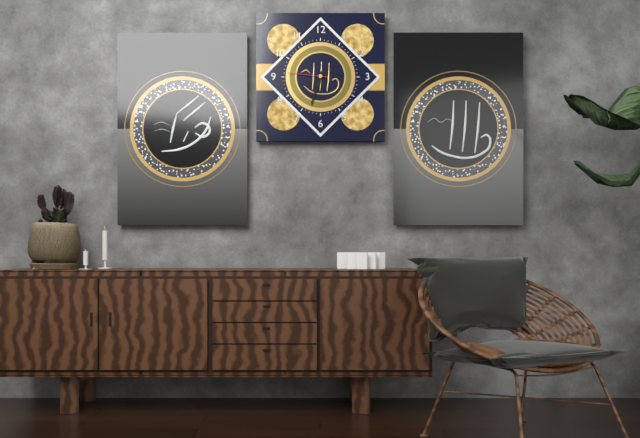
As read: h=6 m=33
